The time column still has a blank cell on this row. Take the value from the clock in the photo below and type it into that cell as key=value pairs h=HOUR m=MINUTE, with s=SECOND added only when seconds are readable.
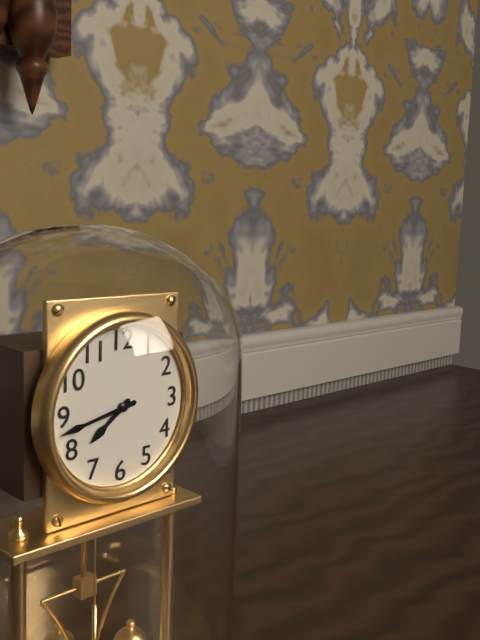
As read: h=7 m=43
